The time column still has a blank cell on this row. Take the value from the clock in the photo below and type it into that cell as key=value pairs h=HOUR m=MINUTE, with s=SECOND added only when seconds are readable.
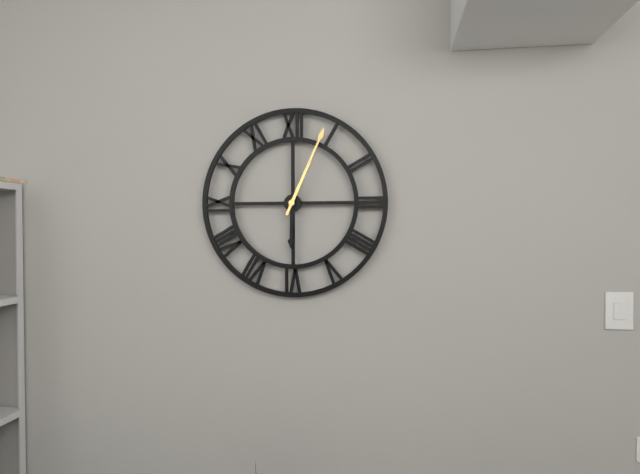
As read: h=6 m=4
